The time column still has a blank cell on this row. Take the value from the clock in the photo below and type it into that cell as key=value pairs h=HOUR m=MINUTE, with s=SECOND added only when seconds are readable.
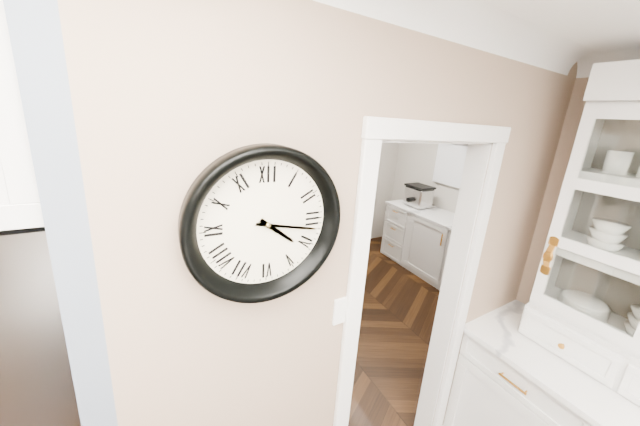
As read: h=4 m=17
